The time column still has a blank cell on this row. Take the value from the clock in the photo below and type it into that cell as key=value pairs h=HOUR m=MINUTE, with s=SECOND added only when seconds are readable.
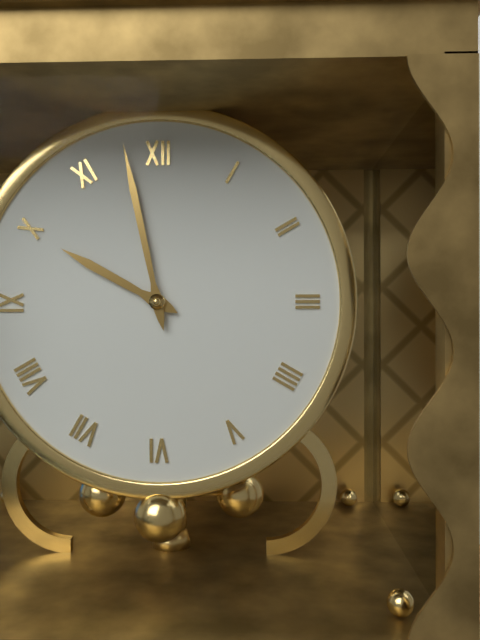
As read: h=9 m=58
